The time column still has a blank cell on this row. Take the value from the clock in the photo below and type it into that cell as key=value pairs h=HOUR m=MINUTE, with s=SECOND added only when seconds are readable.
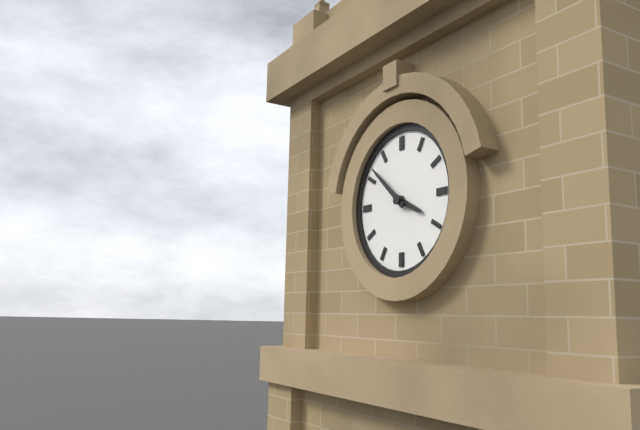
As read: h=3 m=52
